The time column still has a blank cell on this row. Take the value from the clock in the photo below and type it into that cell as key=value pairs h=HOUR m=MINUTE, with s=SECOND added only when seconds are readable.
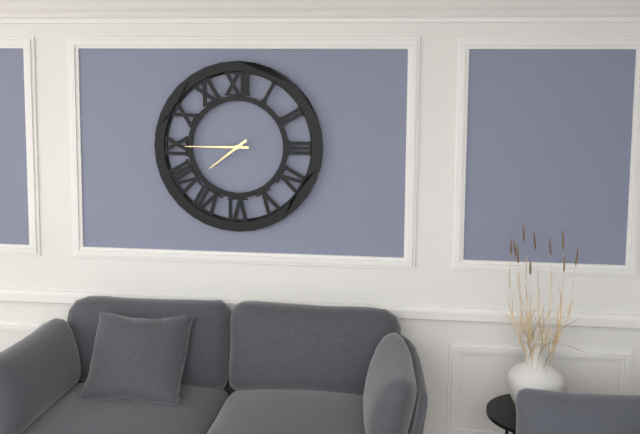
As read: h=7 m=45
